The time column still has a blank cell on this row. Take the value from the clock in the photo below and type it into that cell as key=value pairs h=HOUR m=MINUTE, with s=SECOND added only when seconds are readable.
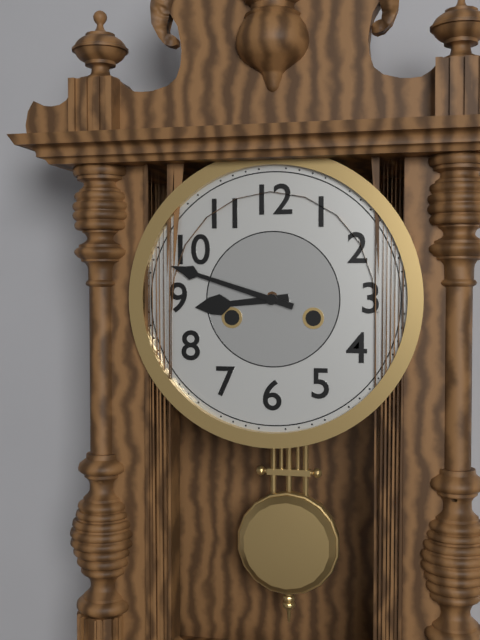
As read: h=8 m=48
